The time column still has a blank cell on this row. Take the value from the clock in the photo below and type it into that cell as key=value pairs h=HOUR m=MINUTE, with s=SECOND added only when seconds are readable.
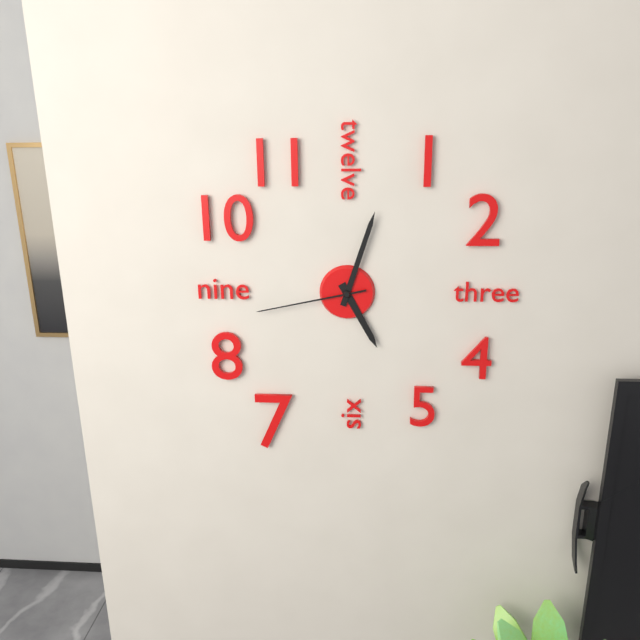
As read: h=5 m=3 s=43
